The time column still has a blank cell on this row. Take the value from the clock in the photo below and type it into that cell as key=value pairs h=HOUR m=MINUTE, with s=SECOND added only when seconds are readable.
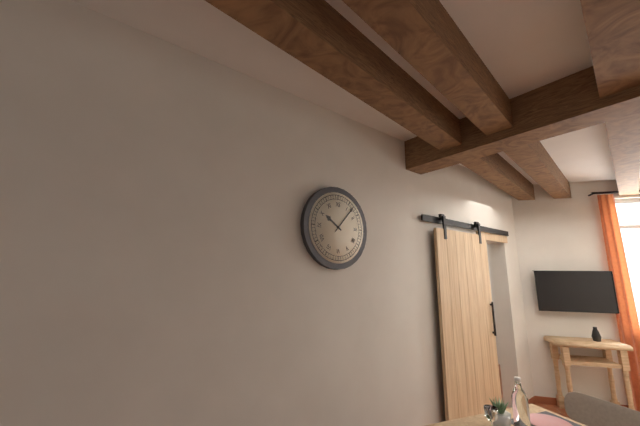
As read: h=10 m=7
